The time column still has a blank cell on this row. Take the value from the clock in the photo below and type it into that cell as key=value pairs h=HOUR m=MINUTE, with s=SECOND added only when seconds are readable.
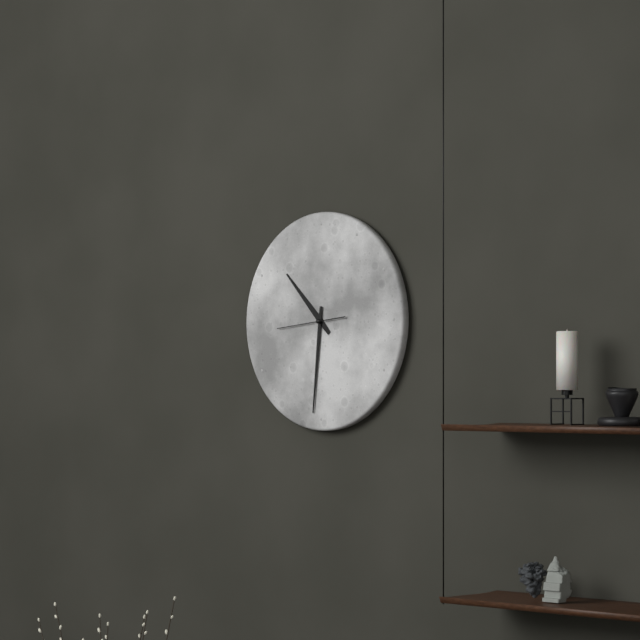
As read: h=10 m=31 s=44
